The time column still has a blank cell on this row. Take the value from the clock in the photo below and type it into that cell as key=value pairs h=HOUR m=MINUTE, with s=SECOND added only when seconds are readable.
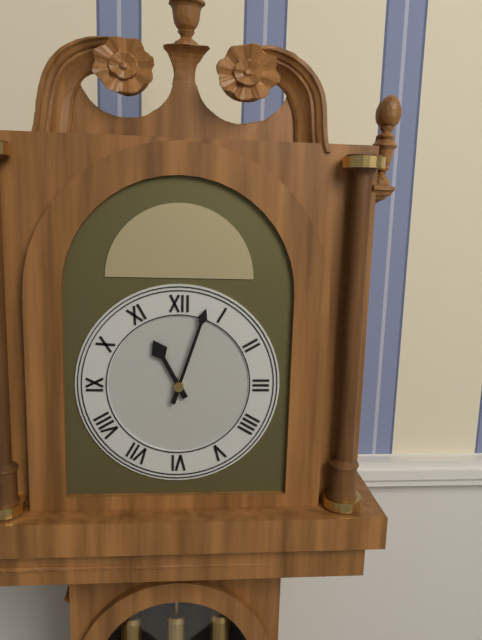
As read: h=11 m=3
